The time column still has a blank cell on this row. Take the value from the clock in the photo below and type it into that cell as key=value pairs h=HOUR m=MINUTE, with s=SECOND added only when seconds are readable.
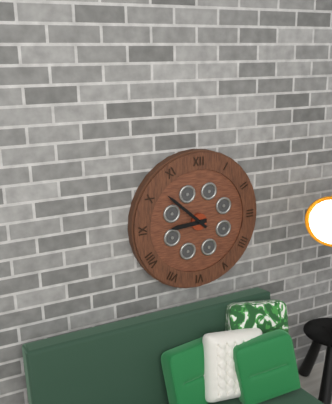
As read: h=8 m=52
